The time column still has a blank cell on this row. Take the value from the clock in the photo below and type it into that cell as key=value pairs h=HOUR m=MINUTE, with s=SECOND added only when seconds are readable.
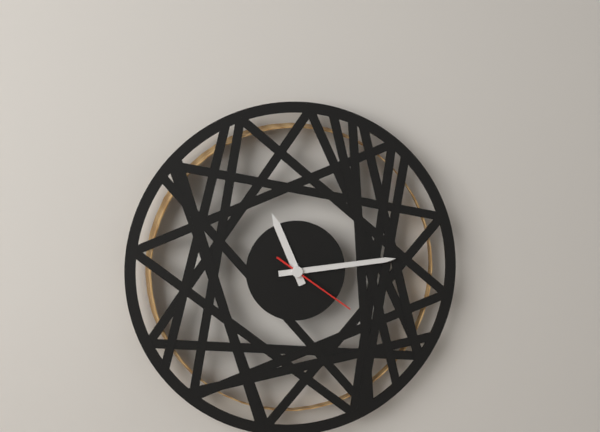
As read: h=11 m=14 s=21
